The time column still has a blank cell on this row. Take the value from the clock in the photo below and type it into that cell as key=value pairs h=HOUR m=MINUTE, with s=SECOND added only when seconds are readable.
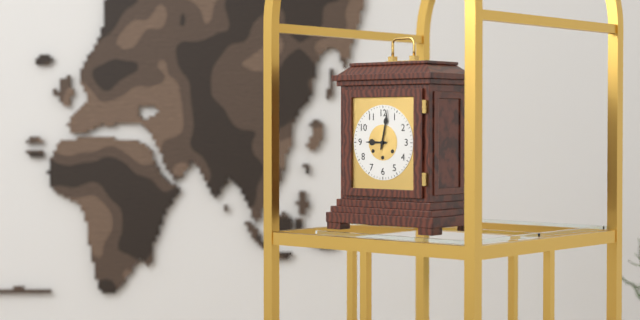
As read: h=9 m=2
